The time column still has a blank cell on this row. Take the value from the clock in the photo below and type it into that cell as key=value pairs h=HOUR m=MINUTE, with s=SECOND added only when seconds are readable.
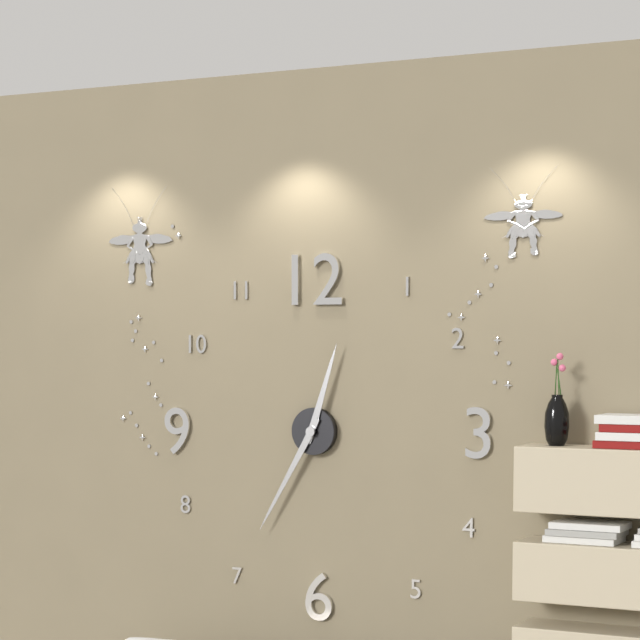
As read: h=12 m=35
